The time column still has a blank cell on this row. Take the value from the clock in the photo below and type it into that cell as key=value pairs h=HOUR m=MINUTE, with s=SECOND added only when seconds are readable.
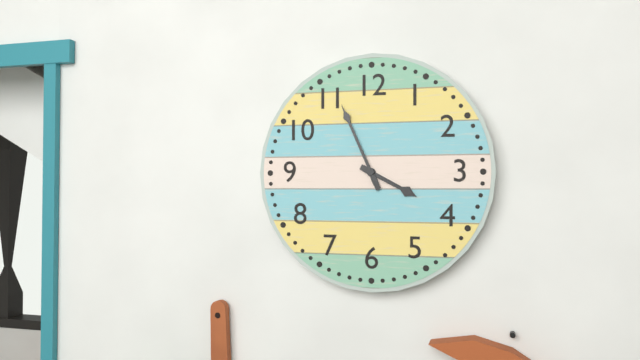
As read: h=3 m=56
